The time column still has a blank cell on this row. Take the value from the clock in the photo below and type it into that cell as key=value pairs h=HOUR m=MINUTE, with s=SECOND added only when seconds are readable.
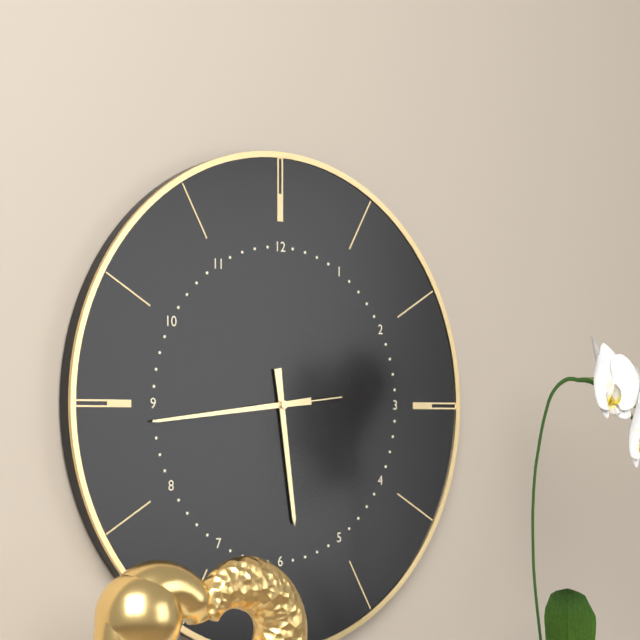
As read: h=5 m=44 s=44
